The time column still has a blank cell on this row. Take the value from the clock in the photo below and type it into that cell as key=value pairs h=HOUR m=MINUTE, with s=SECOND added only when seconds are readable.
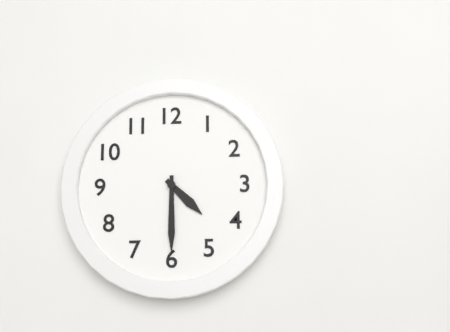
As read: h=4 m=30
